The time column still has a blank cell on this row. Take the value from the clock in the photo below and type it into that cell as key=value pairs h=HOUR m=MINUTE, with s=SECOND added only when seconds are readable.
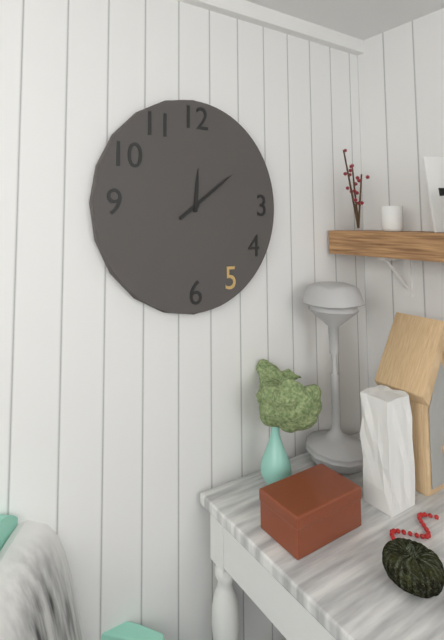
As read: h=12 m=9
